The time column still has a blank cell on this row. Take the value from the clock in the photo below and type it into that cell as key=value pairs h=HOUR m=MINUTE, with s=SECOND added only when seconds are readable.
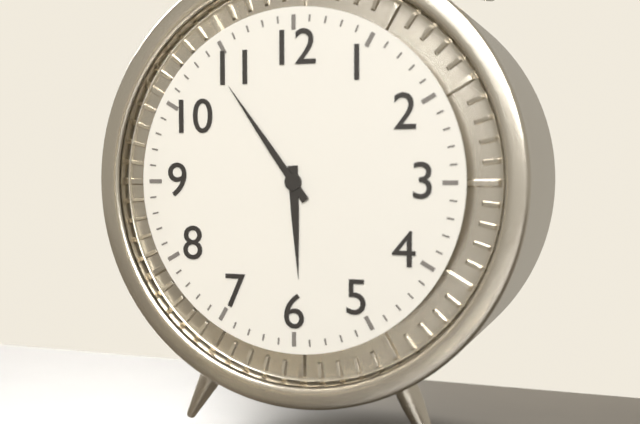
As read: h=5 m=54
